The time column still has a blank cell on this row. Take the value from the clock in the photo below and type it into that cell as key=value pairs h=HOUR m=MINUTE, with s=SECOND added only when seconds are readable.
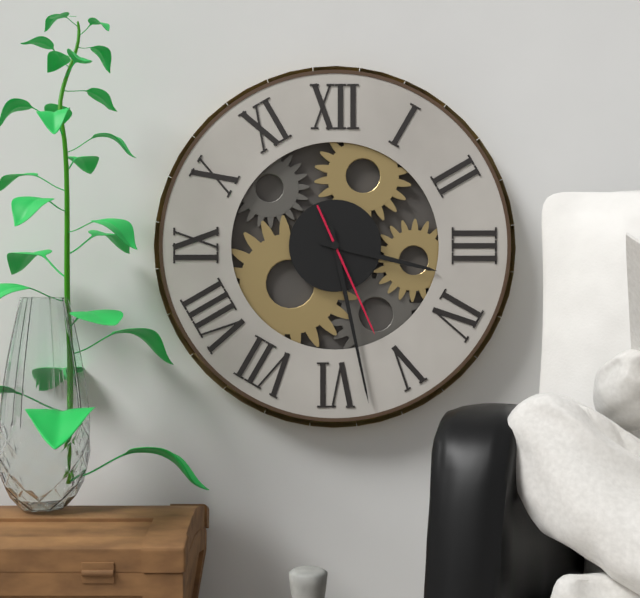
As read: h=3 m=28 s=26
